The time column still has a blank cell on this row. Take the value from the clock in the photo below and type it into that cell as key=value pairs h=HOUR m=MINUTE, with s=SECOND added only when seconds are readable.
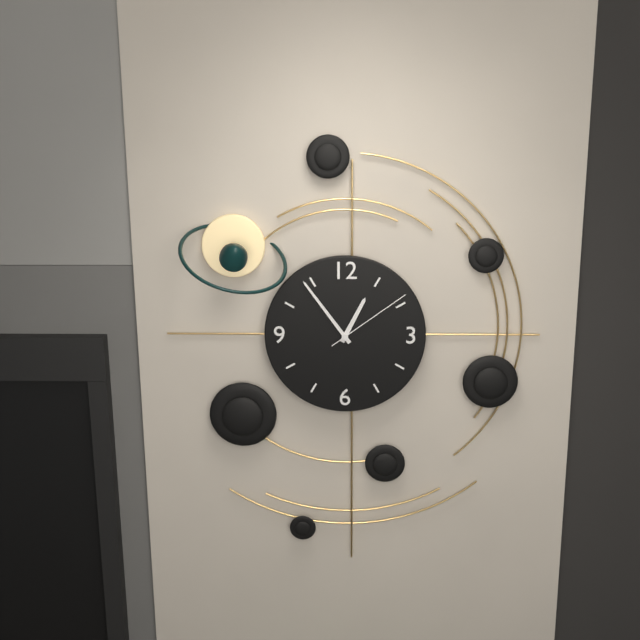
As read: h=12 m=54 s=9
